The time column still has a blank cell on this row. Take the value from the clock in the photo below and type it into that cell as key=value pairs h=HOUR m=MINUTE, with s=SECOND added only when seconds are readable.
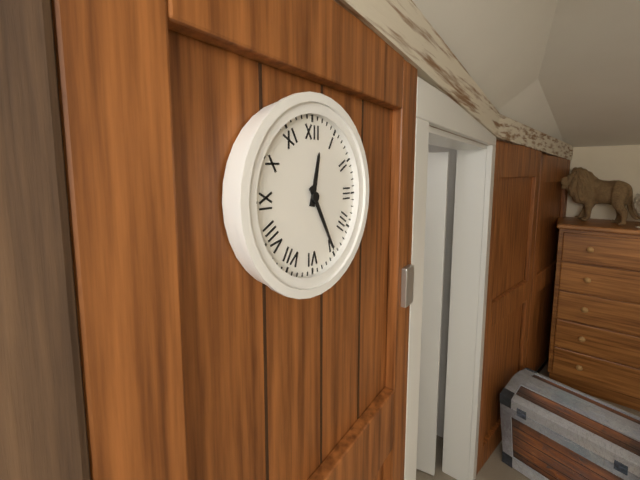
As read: h=12 m=25
